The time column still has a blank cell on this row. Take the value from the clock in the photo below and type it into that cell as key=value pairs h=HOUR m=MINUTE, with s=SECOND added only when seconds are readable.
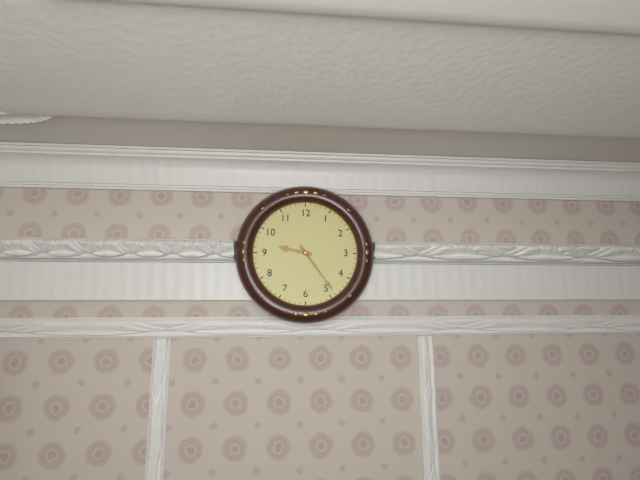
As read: h=9 m=24
